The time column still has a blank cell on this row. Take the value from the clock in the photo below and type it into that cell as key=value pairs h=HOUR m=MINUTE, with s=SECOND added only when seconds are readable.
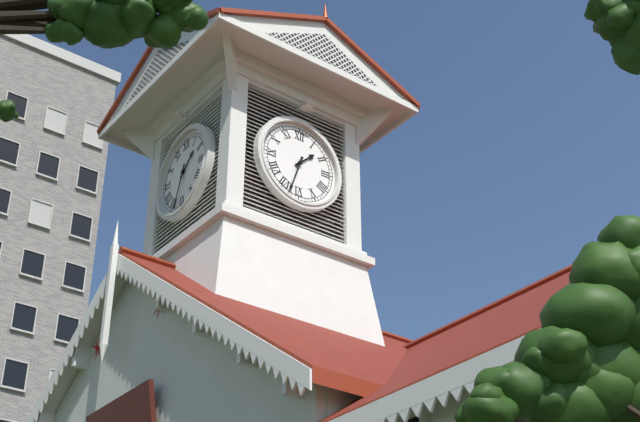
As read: h=1 m=33
